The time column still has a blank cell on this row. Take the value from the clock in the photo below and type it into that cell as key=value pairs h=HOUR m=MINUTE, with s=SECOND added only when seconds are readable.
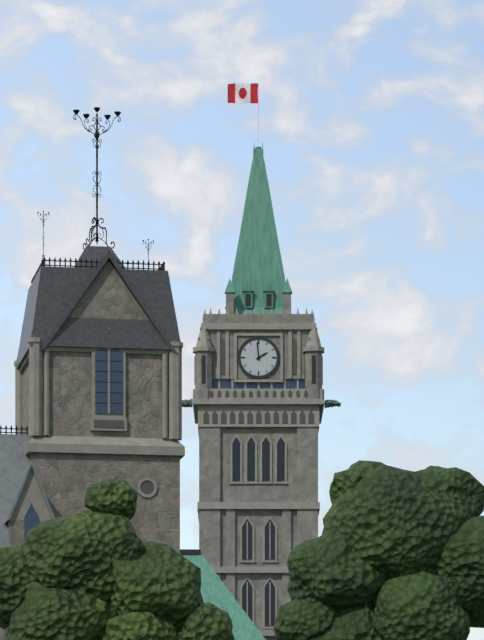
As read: h=1 m=59
